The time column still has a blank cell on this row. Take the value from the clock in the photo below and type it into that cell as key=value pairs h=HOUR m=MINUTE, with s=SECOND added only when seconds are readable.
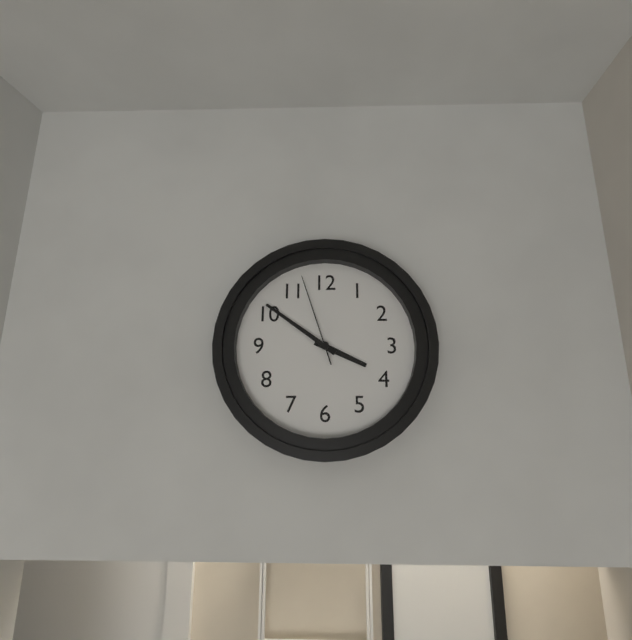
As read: h=3 m=51 s=57
